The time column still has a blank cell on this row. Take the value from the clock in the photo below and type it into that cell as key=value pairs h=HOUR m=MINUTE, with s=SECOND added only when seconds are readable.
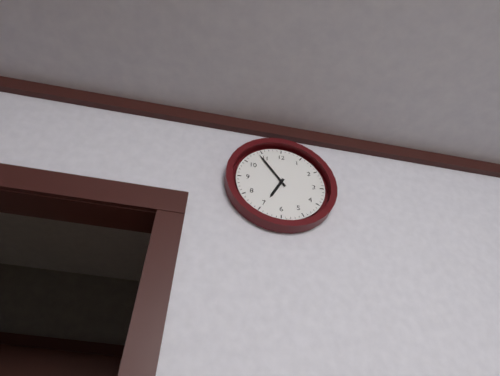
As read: h=6 m=54
